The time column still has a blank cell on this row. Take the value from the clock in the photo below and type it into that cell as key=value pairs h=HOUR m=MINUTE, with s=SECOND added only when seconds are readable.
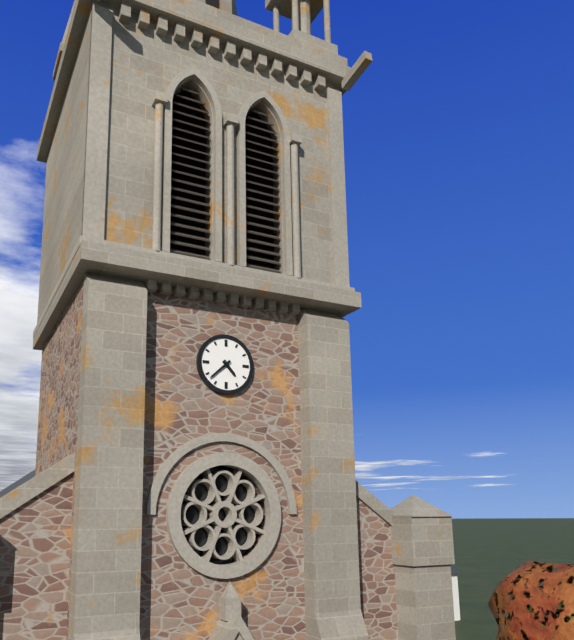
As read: h=4 m=38
